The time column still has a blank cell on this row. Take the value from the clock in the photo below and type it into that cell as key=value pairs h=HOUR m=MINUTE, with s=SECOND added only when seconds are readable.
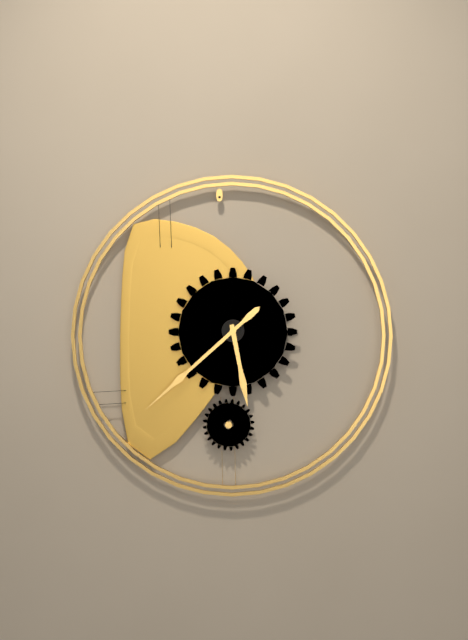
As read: h=5 m=38
